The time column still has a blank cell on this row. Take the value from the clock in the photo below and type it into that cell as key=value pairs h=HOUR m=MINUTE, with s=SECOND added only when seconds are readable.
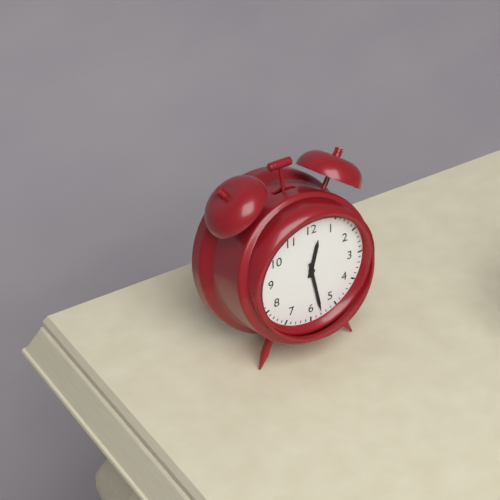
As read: h=12 m=28
